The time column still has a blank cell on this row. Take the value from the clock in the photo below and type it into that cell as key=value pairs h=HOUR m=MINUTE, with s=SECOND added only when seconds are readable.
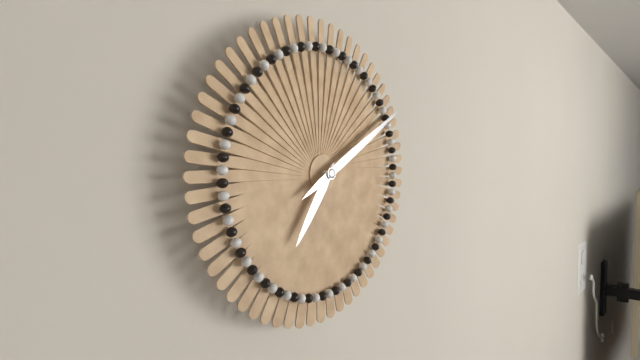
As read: h=7 m=10
